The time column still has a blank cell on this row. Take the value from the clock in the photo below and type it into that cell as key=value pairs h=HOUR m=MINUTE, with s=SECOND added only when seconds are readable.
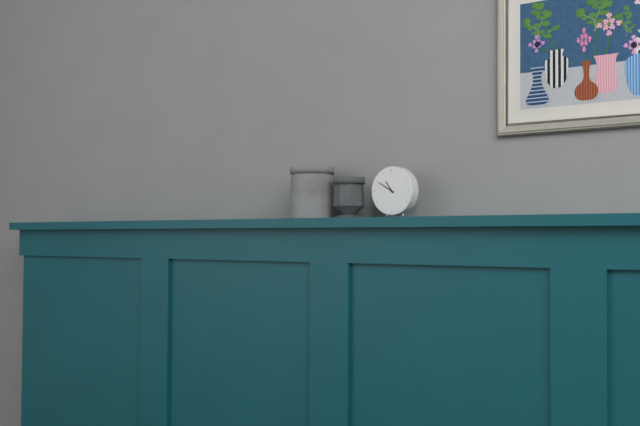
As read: h=10 m=50
